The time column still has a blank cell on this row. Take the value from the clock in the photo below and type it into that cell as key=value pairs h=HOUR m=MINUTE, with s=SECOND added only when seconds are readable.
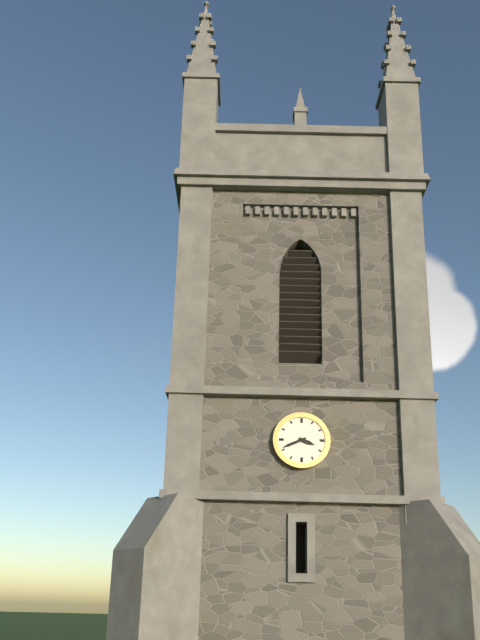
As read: h=3 m=41
